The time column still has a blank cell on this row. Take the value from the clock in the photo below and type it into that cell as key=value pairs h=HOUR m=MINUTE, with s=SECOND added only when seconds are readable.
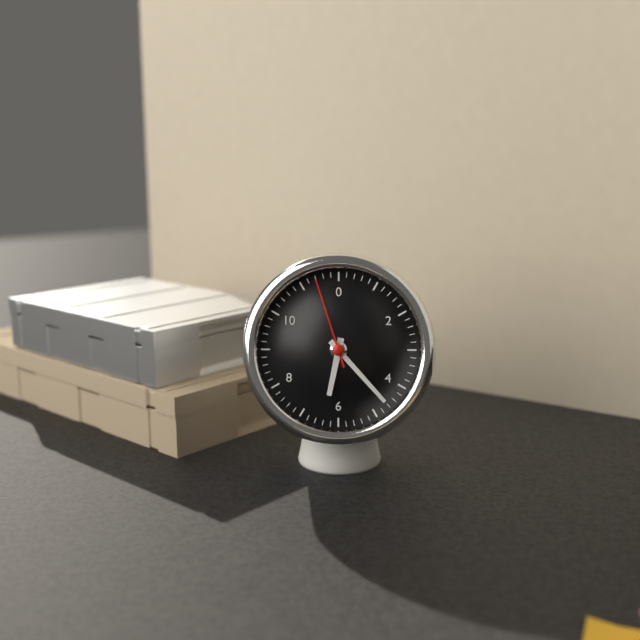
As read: h=6 m=23 s=57
